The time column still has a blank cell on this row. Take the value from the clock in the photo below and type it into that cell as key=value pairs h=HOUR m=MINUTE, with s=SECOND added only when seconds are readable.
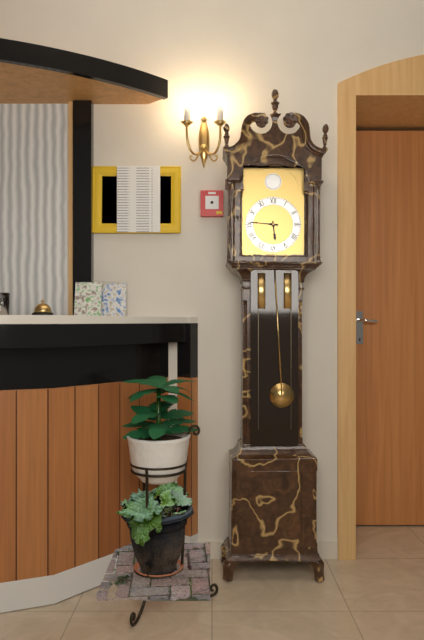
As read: h=5 m=46
